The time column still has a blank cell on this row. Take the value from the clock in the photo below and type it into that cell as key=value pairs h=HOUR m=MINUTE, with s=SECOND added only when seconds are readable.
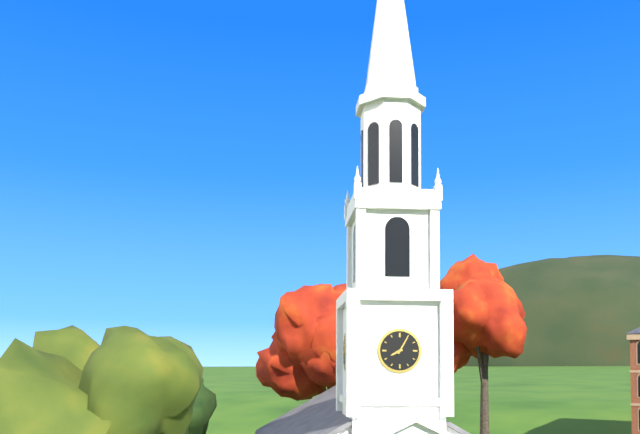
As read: h=8 m=5
